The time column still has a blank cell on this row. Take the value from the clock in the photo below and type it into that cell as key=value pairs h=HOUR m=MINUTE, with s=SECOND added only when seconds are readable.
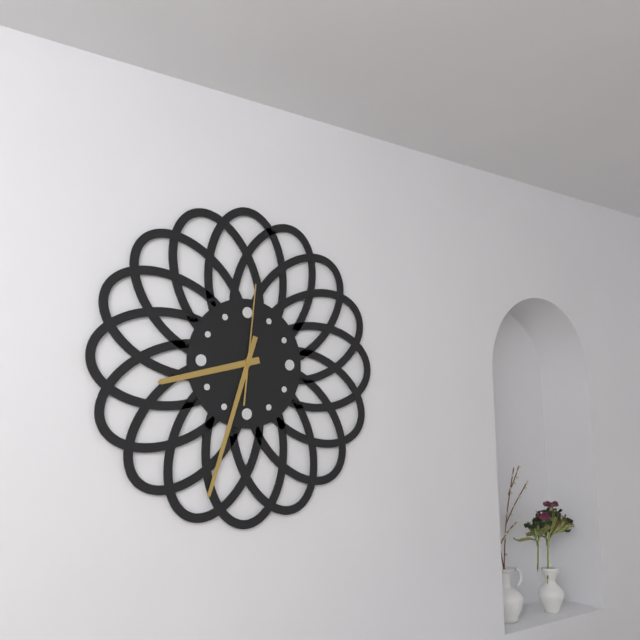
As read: h=8 m=33 s=1
